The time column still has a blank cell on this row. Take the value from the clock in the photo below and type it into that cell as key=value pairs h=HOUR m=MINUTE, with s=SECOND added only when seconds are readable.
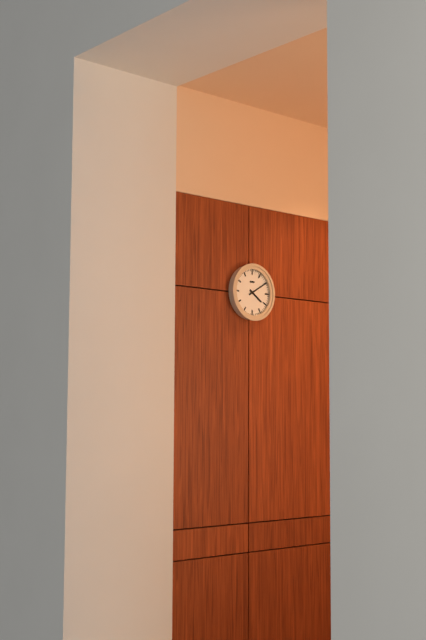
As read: h=4 m=10
